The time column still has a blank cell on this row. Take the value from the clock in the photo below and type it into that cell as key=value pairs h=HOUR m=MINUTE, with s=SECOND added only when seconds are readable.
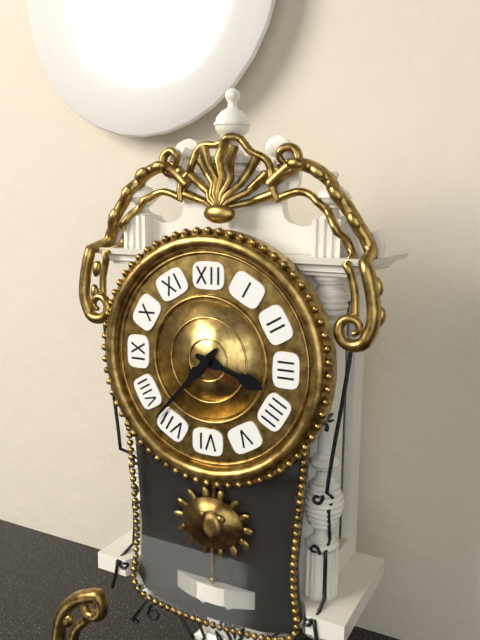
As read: h=3 m=37
